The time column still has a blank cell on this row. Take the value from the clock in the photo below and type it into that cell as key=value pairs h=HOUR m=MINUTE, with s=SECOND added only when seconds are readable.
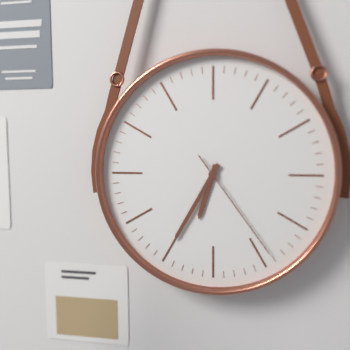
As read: h=6 m=35 s=24
